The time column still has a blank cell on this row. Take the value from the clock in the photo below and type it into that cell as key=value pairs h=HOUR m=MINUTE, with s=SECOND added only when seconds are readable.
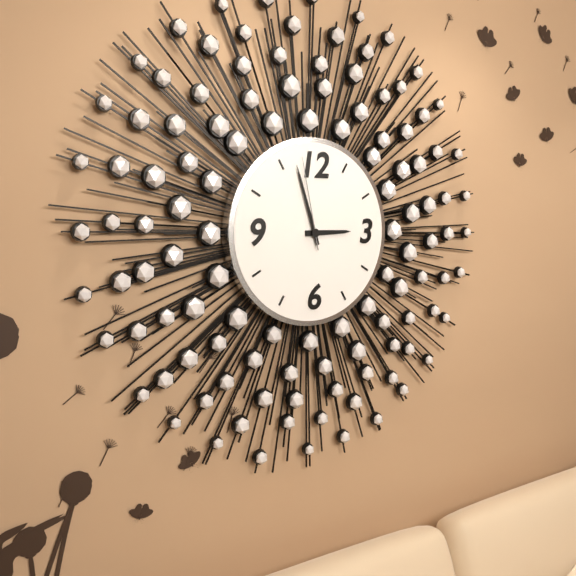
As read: h=2 m=57 s=58
